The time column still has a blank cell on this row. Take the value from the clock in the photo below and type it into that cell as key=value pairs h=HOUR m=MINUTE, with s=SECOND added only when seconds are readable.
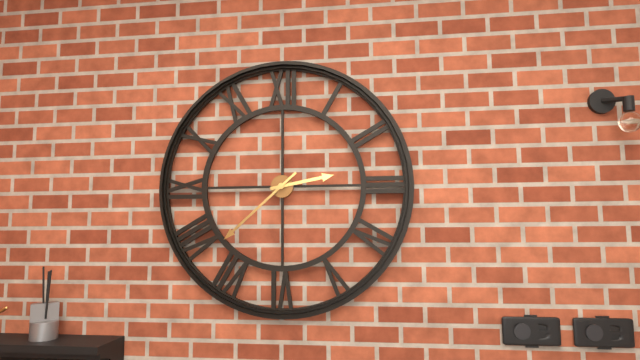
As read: h=2 m=38
